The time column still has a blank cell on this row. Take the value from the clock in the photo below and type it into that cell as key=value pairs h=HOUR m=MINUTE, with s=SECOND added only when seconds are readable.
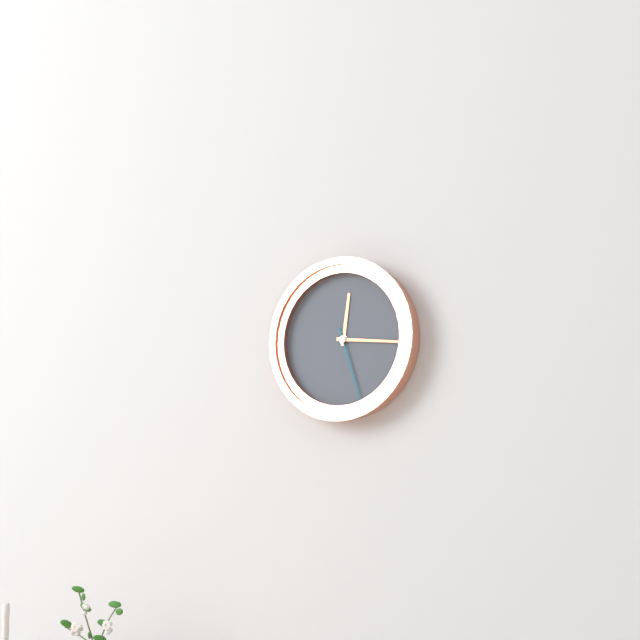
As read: h=12 m=16 s=27
